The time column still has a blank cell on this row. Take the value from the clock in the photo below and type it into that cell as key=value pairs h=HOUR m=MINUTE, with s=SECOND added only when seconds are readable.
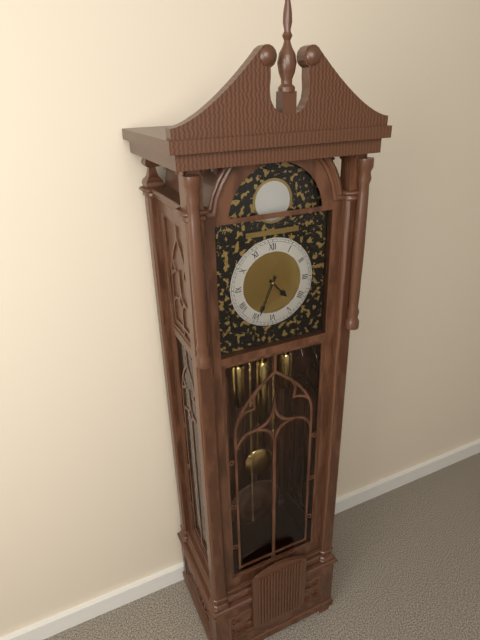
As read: h=4 m=34
